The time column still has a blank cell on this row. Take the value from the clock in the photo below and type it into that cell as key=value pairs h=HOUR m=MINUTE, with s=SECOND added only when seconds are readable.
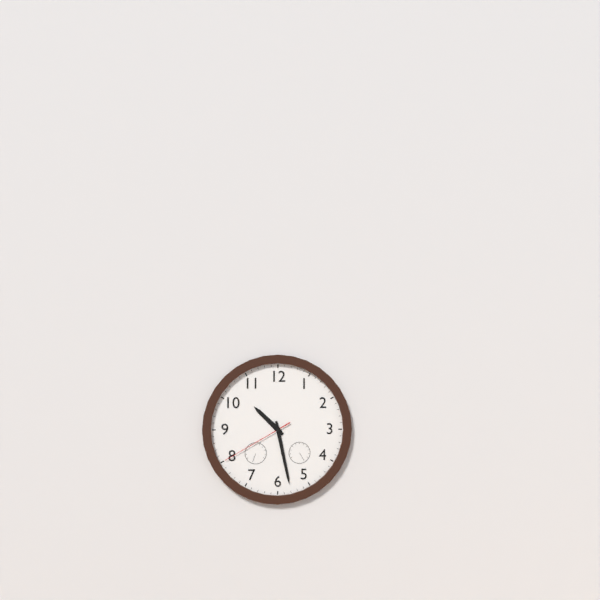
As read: h=10 m=28 s=40
